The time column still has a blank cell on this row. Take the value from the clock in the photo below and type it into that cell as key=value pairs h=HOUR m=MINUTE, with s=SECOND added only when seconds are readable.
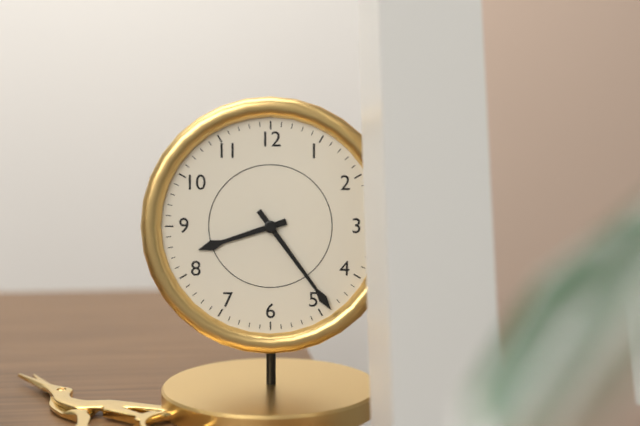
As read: h=8 m=24
